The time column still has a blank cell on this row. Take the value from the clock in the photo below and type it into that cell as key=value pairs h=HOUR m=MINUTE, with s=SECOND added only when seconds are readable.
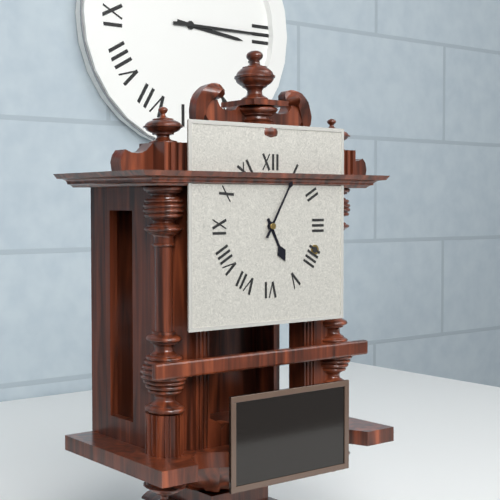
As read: h=5 m=5
